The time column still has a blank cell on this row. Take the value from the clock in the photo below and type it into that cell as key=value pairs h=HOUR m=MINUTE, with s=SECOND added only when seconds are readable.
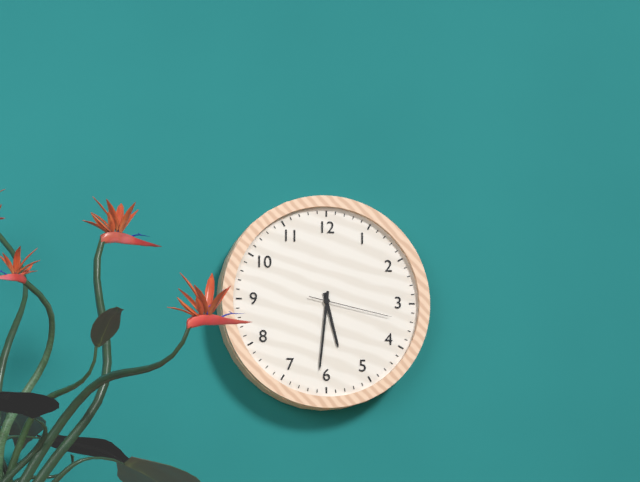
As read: h=5 m=31 s=17
